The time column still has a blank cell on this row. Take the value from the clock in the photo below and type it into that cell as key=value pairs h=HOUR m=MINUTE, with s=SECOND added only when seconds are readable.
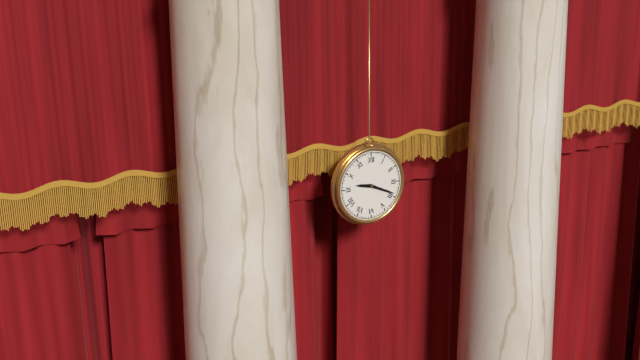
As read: h=9 m=19
